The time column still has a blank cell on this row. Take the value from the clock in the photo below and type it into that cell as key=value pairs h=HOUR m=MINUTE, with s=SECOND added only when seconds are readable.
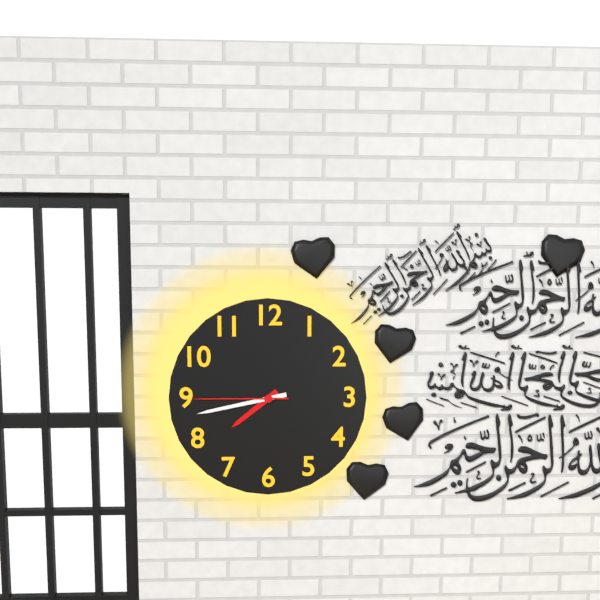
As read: h=7 m=43 s=45
